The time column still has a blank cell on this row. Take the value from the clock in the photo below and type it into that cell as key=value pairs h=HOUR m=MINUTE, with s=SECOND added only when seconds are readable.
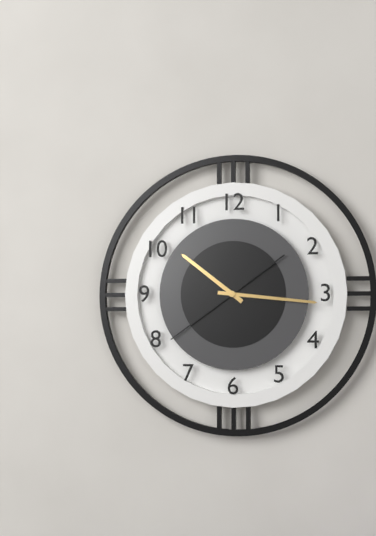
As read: h=10 m=16 s=39
